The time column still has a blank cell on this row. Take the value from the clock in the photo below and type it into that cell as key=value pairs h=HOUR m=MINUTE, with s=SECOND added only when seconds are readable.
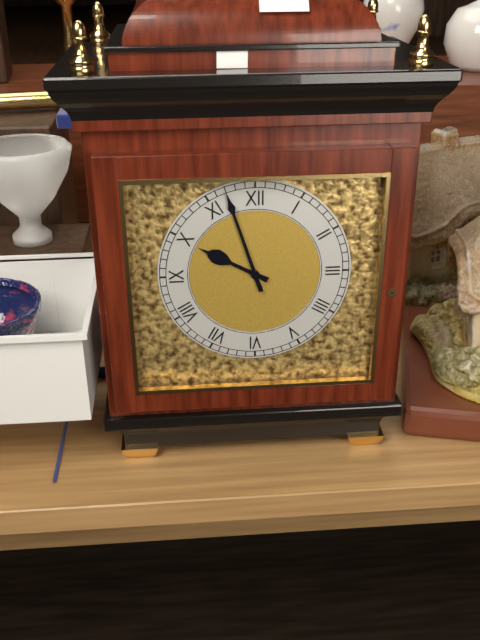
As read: h=9 m=57
